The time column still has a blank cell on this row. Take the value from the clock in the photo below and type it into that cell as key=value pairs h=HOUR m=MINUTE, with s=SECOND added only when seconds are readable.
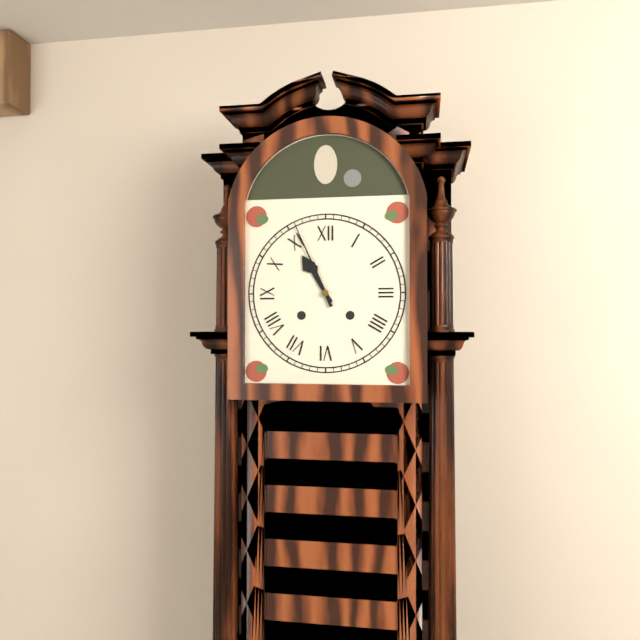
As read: h=10 m=56
